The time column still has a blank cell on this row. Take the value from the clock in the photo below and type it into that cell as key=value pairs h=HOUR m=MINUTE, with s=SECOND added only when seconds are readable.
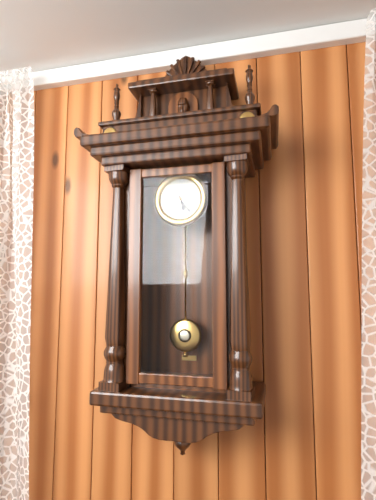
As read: h=5 m=24
